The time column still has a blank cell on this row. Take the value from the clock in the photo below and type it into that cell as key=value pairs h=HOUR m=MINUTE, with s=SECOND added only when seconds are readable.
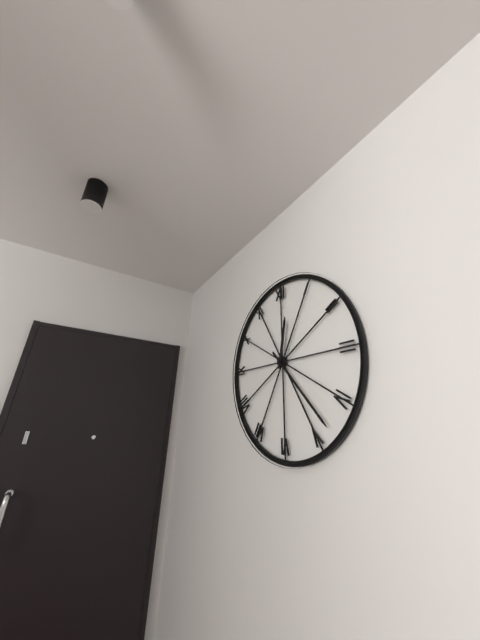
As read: h=12 m=23
